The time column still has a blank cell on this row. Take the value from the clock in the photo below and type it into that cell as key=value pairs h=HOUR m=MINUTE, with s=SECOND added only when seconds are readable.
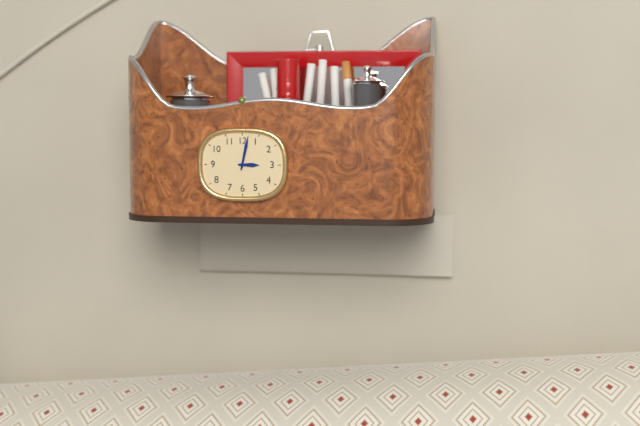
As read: h=3 m=2
